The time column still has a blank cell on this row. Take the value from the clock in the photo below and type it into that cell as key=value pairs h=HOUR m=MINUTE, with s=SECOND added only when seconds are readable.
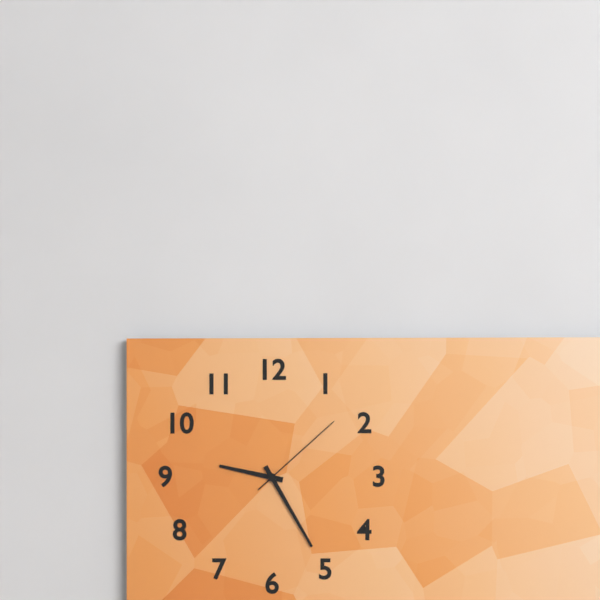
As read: h=9 m=25 s=8
